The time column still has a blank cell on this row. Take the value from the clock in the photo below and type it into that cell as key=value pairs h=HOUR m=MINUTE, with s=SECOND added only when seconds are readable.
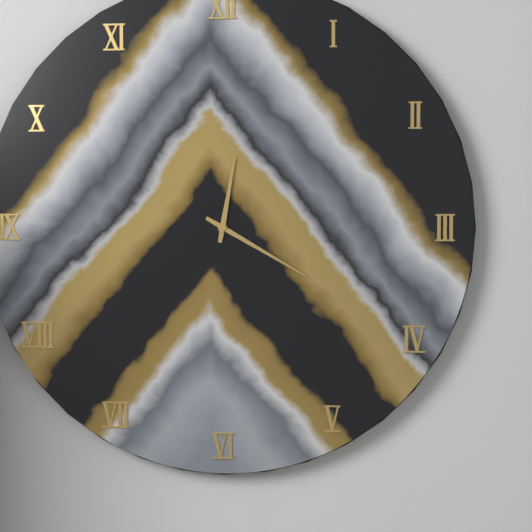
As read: h=12 m=20
